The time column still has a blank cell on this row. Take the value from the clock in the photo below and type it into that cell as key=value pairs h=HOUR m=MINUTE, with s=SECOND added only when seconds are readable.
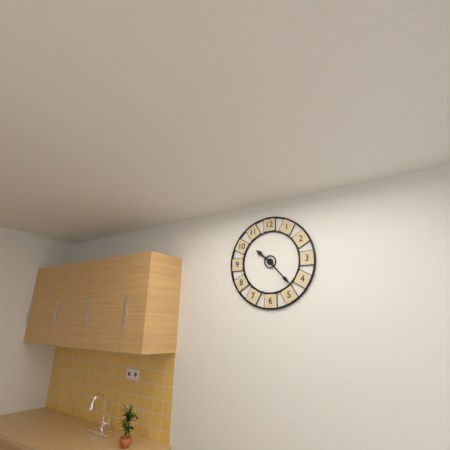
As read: h=10 m=23
